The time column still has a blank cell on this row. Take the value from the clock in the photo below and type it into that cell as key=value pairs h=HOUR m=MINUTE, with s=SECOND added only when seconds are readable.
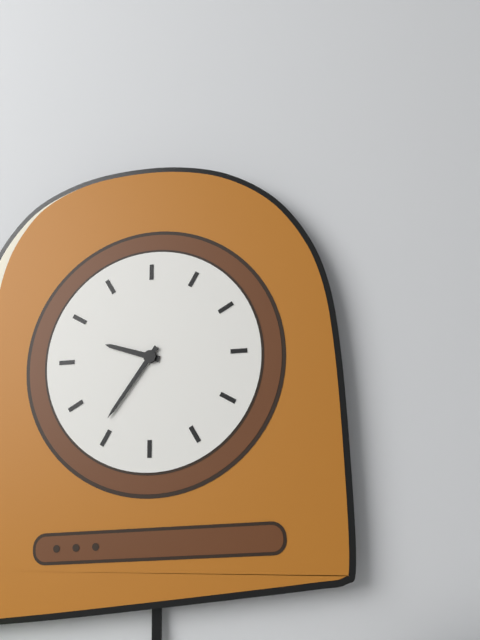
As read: h=9 m=36
